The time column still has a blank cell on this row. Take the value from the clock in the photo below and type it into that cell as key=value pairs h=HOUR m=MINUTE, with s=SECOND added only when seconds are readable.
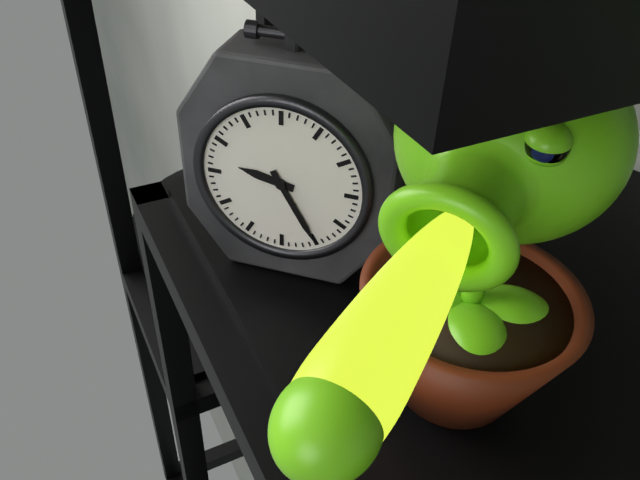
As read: h=9 m=25
